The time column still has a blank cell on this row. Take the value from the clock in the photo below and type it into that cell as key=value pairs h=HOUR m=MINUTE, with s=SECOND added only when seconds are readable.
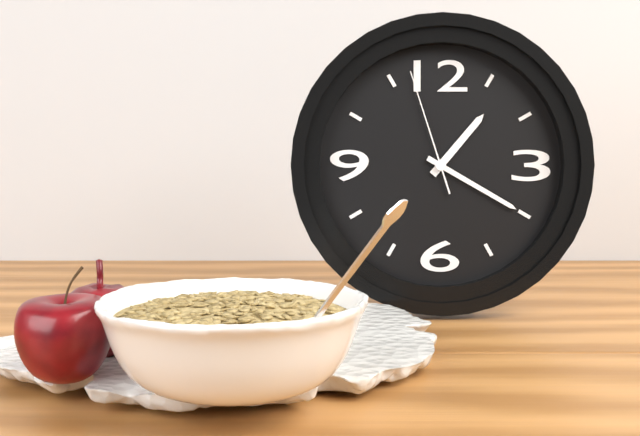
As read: h=1 m=20 s=57
